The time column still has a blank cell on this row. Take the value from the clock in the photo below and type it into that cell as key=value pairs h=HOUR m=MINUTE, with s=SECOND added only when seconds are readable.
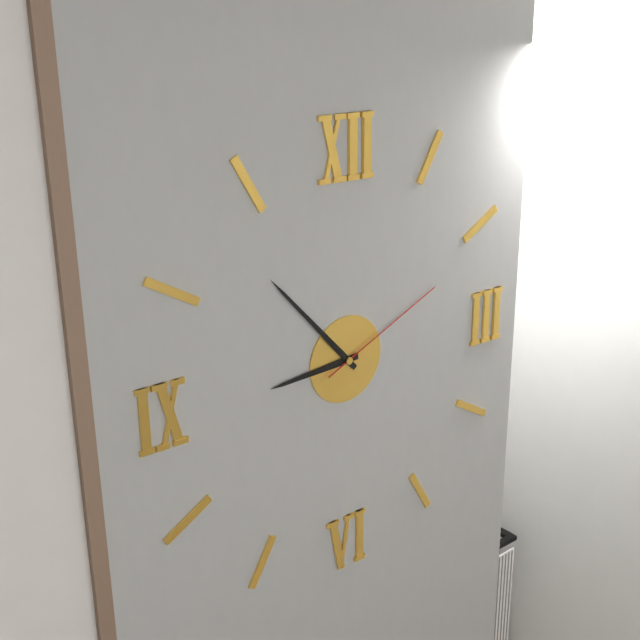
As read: h=8 m=53 s=11
